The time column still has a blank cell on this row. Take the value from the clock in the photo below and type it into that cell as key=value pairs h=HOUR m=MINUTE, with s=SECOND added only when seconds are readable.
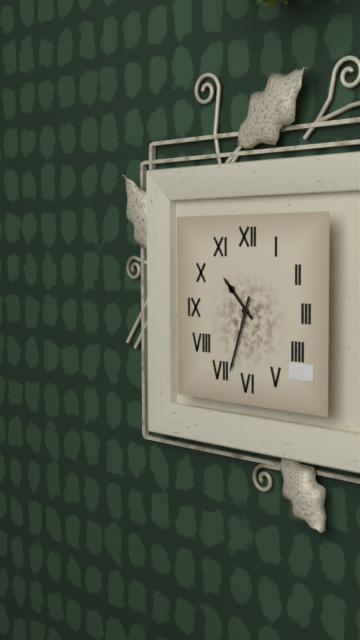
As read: h=10 m=33
